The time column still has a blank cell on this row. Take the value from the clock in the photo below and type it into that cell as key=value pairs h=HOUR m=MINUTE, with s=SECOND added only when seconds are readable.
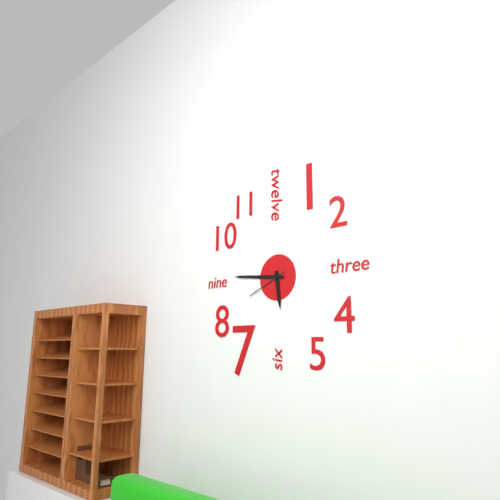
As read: h=5 m=46
